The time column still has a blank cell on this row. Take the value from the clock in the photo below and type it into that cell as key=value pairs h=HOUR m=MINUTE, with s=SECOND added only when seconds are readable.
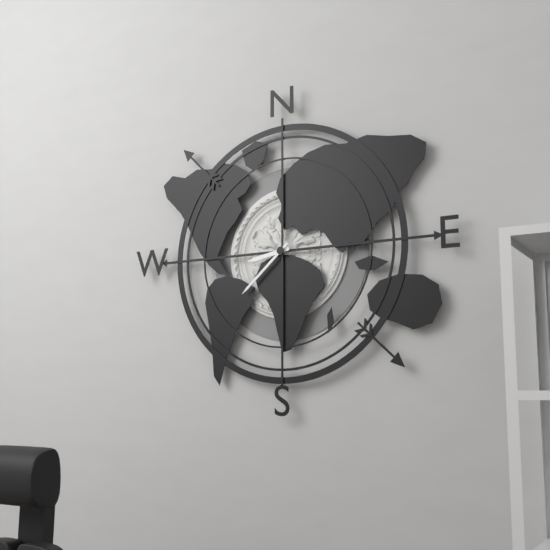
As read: h=8 m=38
